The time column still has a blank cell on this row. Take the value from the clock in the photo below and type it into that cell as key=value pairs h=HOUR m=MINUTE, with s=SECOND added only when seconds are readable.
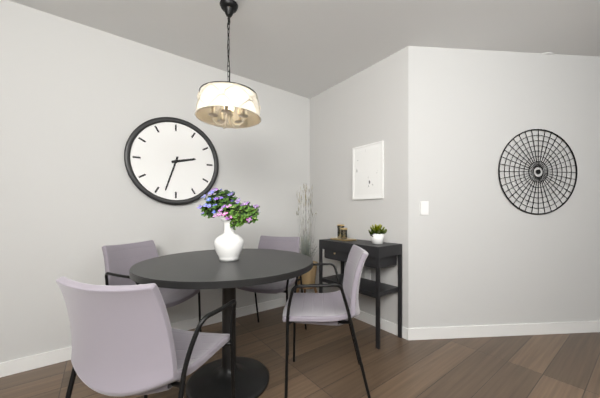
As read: h=2 m=33
